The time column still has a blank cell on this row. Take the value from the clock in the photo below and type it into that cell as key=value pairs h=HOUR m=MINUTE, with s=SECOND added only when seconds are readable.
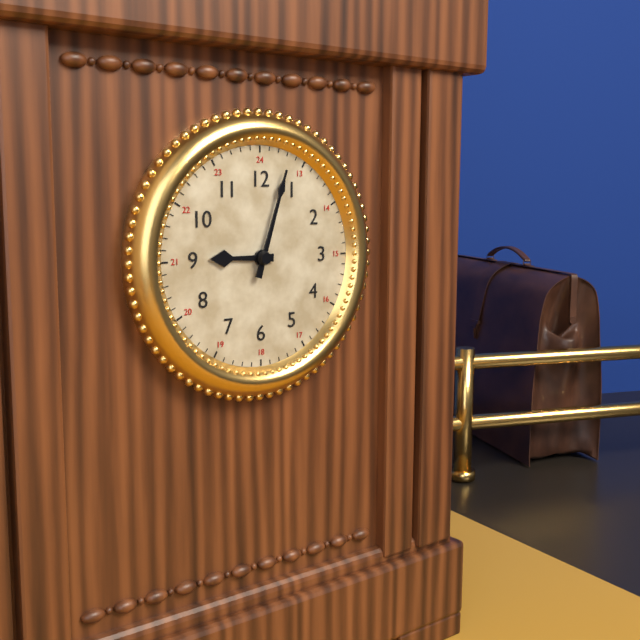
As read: h=9 m=3
